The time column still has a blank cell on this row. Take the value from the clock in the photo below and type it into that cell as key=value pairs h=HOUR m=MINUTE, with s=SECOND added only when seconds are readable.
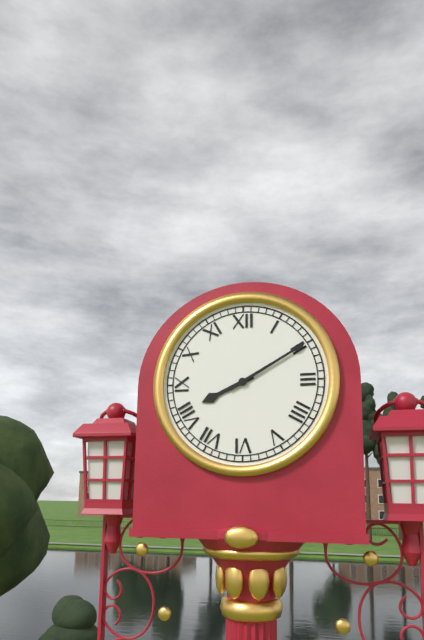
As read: h=8 m=10
